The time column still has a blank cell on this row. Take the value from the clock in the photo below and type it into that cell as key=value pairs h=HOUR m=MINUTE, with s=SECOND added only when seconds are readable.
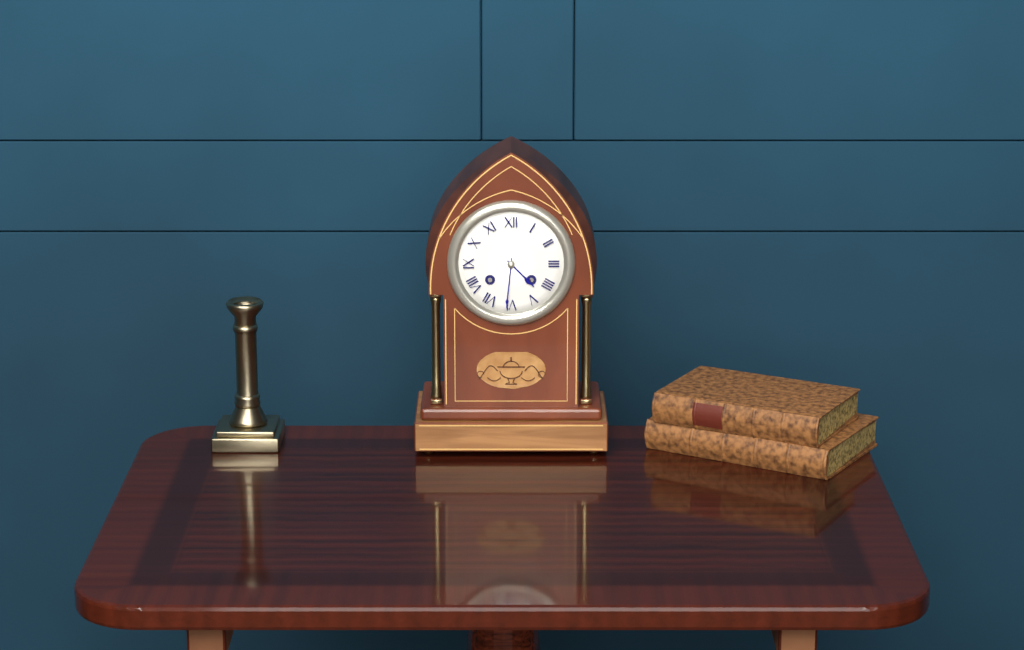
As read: h=4 m=31
